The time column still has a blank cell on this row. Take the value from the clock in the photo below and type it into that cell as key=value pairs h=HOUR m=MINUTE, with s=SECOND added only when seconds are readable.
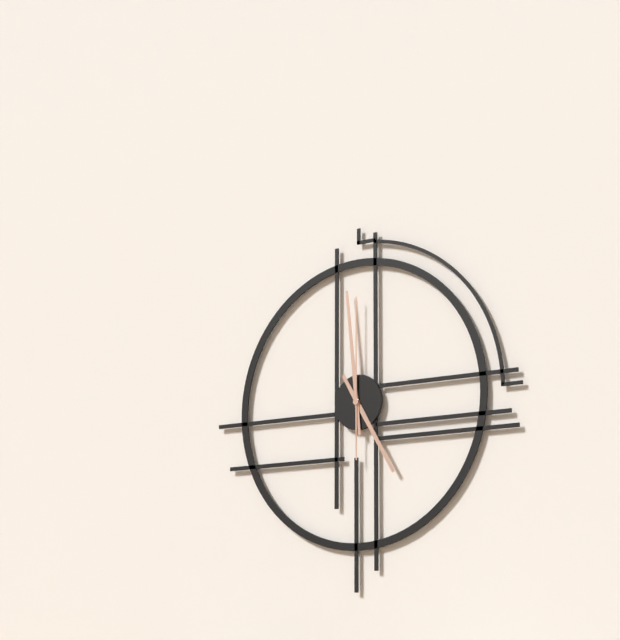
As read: h=4 m=59 s=0
